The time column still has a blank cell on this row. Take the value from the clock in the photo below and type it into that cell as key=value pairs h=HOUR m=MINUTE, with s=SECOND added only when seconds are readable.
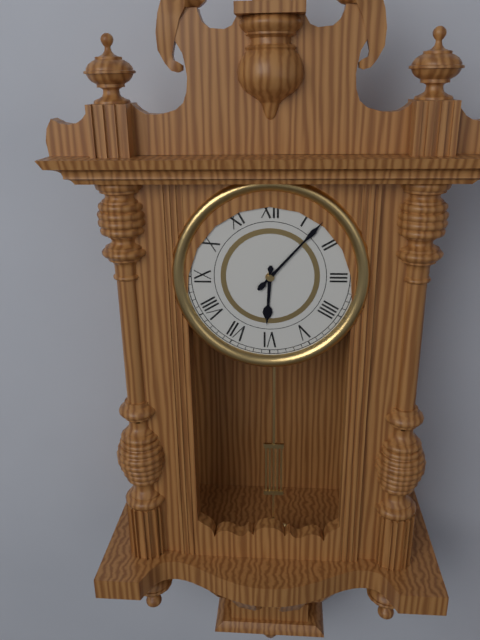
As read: h=6 m=7
